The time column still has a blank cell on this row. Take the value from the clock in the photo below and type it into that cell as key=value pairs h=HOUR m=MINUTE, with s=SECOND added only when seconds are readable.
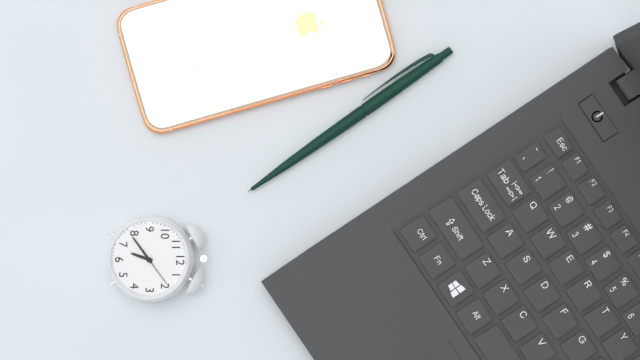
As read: h=6 m=39
